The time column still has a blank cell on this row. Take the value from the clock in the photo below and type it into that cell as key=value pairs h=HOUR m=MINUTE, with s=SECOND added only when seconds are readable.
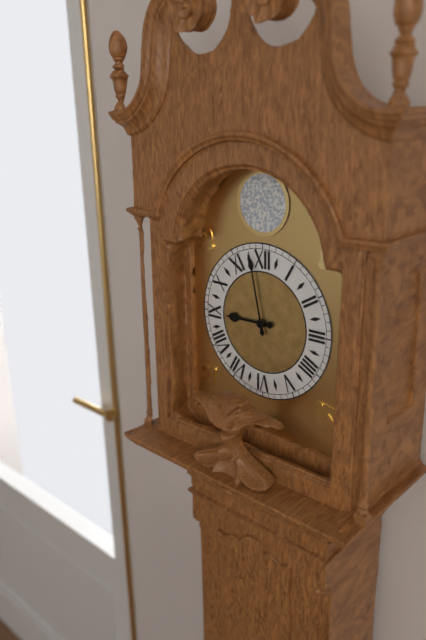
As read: h=8 m=58
